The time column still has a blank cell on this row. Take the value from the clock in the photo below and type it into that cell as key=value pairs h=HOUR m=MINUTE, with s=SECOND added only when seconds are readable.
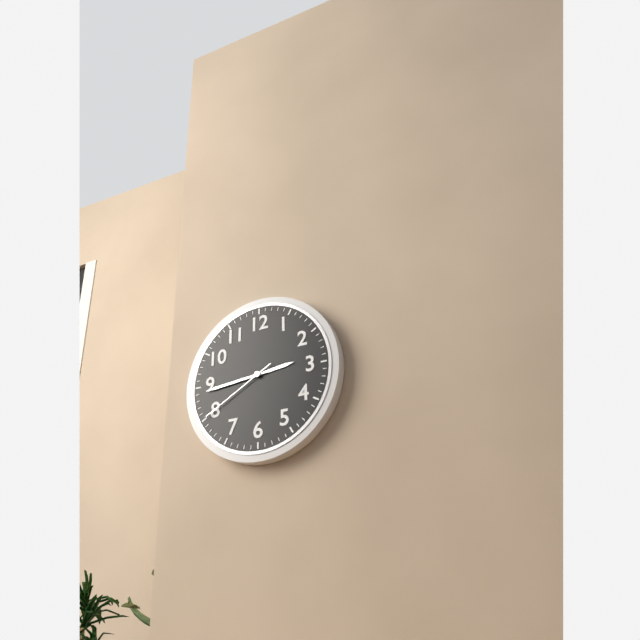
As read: h=2 m=44 s=40
